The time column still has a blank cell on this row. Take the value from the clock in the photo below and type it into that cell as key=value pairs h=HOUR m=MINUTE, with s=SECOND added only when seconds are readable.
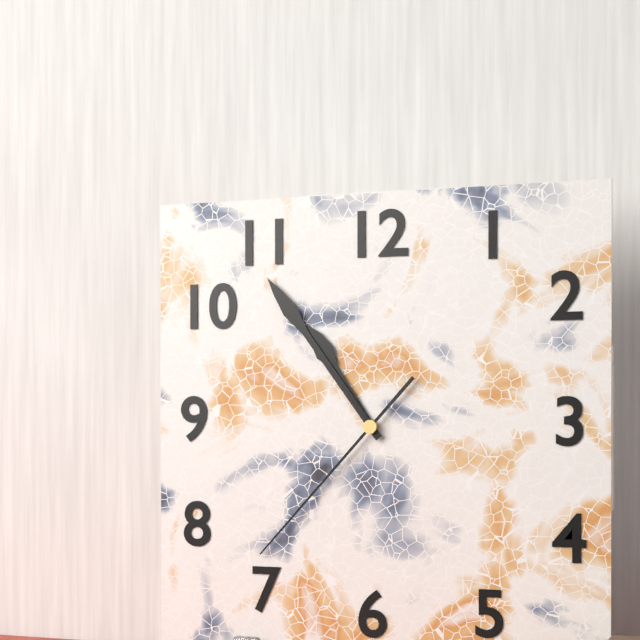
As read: h=10 m=54 s=37
